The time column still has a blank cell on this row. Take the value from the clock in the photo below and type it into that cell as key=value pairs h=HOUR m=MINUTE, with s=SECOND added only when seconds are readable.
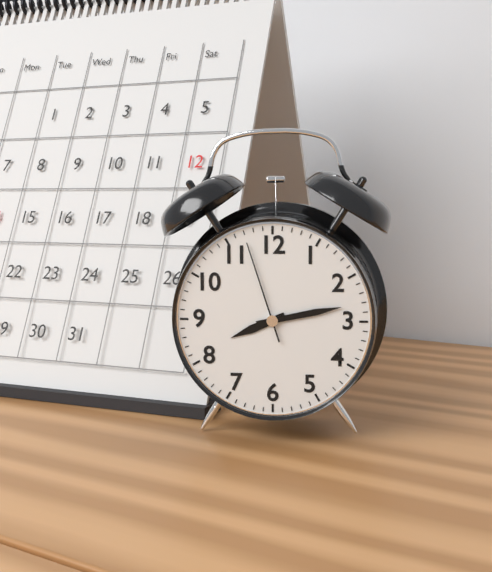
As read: h=8 m=13 s=57
